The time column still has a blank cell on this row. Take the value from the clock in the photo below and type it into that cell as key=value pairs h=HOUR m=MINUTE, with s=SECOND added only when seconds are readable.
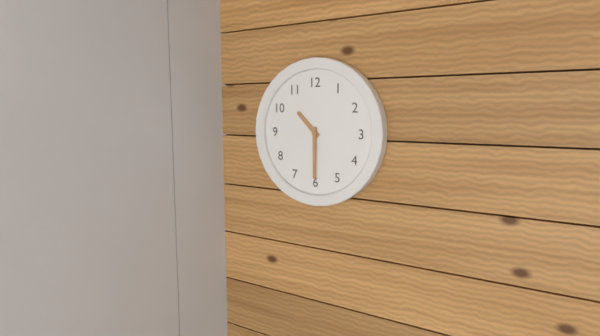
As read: h=10 m=30
